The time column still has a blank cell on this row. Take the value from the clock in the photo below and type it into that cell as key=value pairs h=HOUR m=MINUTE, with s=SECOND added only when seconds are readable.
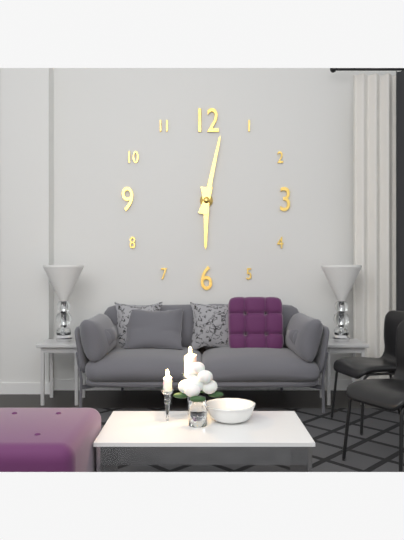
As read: h=6 m=2
